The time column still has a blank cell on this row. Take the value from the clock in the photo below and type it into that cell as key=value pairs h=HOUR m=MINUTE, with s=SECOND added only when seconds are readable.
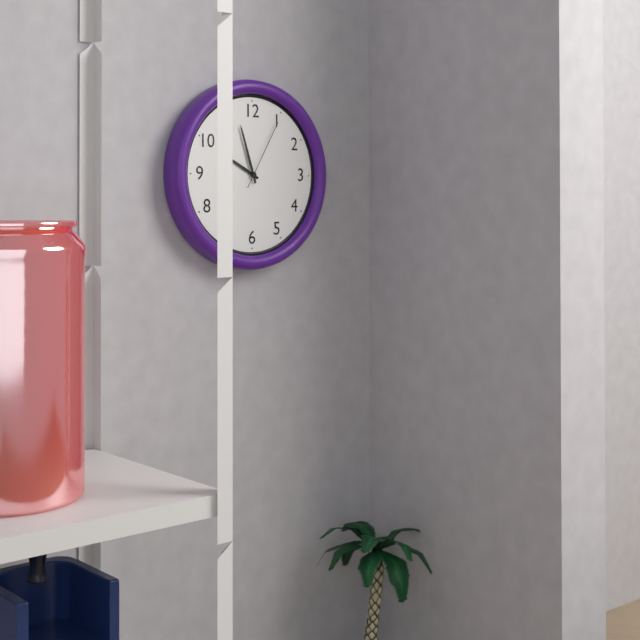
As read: h=9 m=57 s=5
